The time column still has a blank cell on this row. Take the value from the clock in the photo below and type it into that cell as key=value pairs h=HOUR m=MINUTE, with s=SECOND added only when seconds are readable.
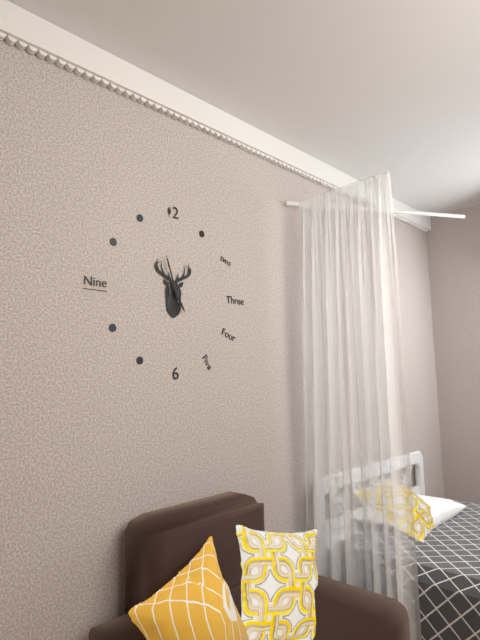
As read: h=4 m=57
